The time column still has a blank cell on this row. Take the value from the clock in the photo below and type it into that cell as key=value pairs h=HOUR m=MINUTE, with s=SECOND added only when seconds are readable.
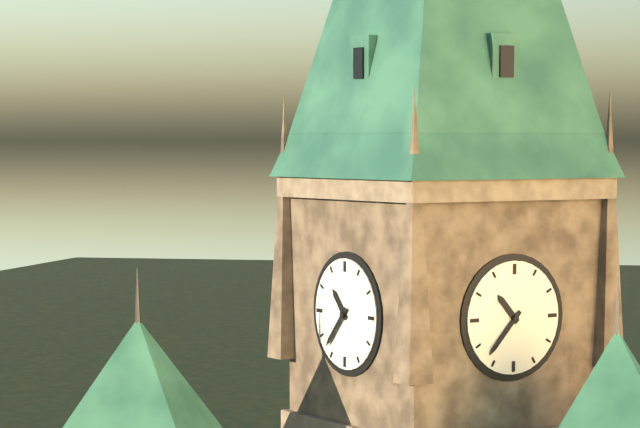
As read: h=10 m=37
